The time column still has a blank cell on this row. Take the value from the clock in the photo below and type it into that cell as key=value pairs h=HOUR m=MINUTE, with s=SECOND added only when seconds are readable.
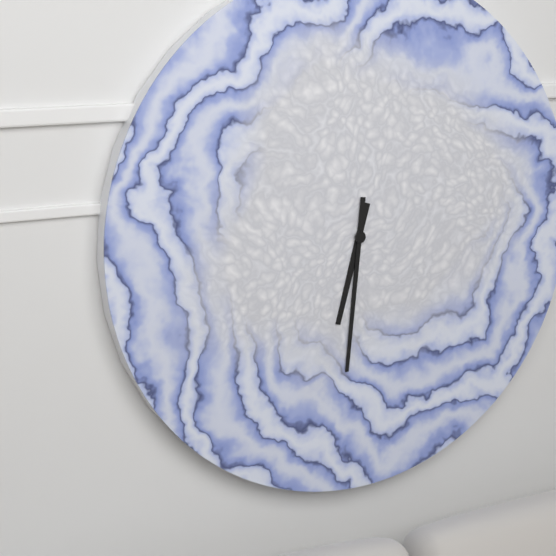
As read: h=6 m=31
